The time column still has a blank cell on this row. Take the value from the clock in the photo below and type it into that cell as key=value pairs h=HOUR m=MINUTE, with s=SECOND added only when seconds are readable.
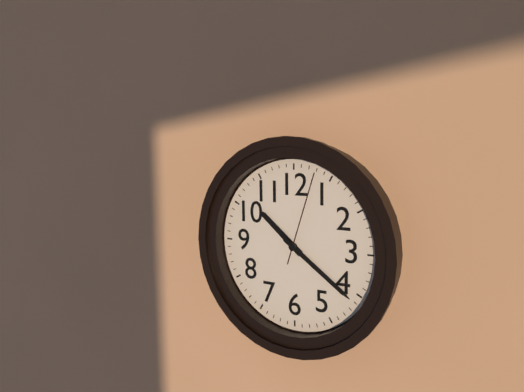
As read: h=10 m=21 s=3
